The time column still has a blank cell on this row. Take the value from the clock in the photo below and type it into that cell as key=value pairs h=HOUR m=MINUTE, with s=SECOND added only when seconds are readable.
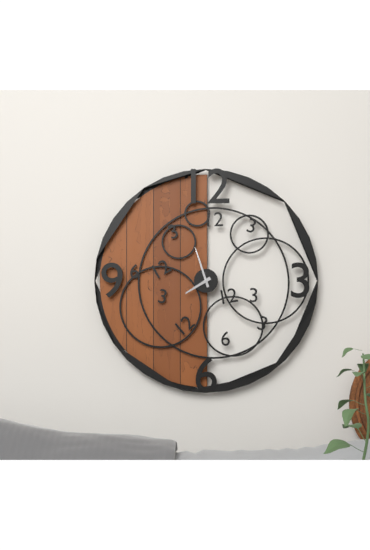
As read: h=7 m=57
